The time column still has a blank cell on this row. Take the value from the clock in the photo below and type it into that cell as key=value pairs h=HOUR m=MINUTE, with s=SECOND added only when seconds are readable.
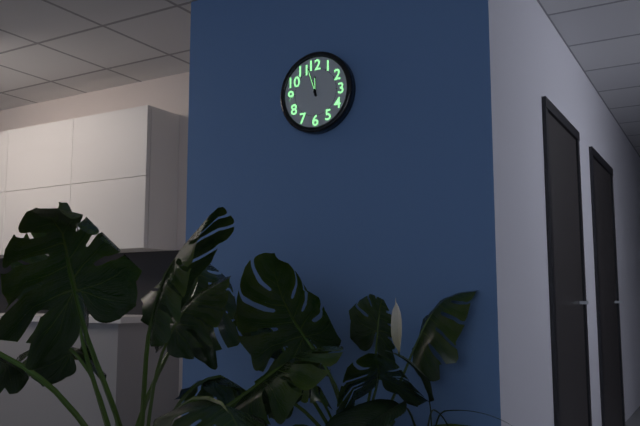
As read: h=11 m=57
